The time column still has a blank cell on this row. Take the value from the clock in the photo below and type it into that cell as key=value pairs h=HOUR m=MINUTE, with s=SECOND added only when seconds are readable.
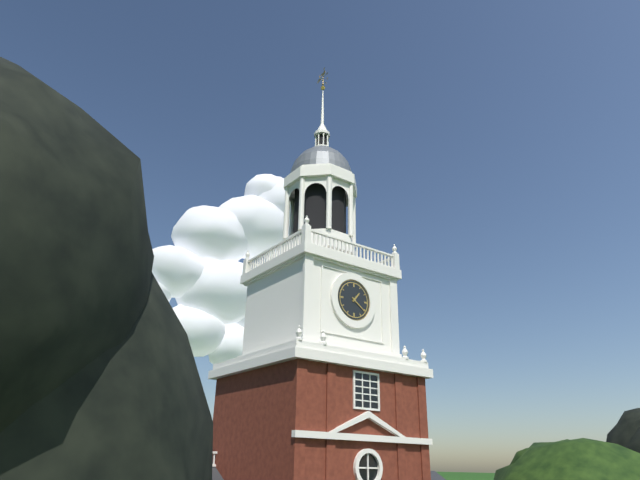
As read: h=1 m=21
